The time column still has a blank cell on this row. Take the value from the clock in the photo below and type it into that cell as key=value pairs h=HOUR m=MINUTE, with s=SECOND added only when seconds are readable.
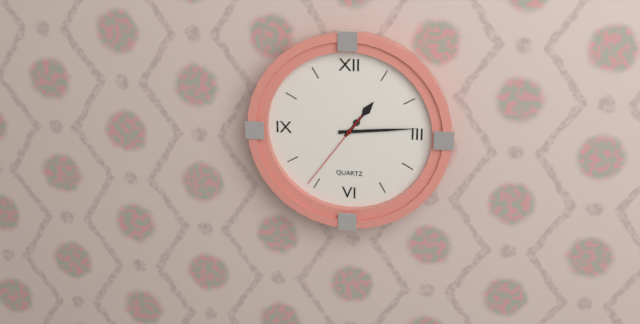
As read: h=1 m=14 s=36
